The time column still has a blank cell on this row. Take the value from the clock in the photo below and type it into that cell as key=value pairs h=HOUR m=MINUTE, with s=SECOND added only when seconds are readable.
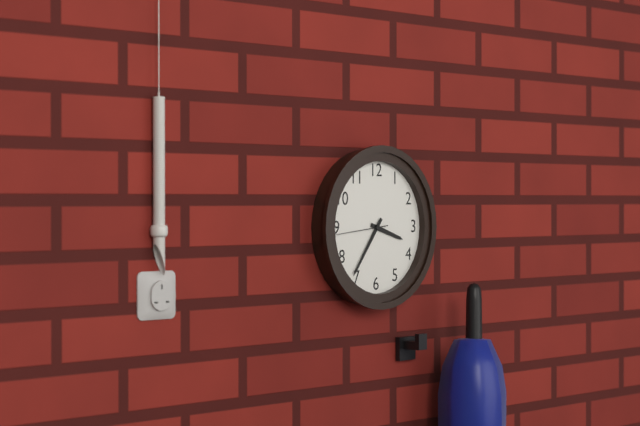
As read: h=3 m=36 s=44
